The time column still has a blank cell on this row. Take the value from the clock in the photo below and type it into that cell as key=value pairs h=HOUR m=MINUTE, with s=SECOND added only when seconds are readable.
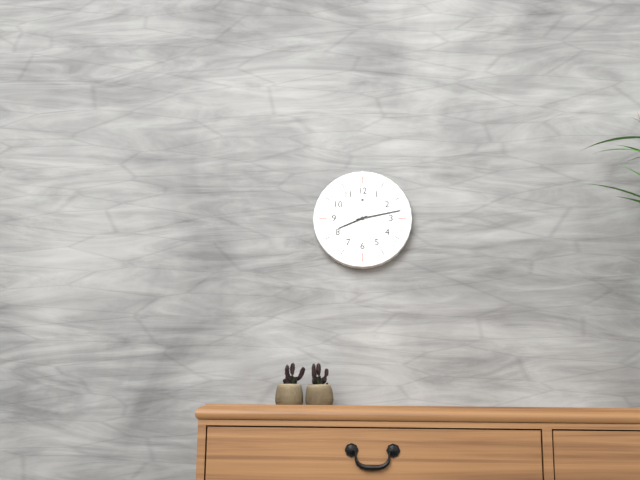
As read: h=8 m=13
